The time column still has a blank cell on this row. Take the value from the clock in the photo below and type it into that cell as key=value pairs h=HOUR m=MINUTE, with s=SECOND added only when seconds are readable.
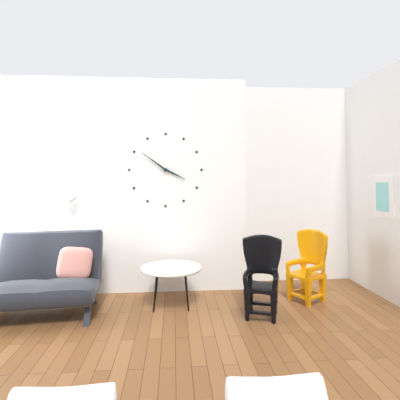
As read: h=3 m=51
